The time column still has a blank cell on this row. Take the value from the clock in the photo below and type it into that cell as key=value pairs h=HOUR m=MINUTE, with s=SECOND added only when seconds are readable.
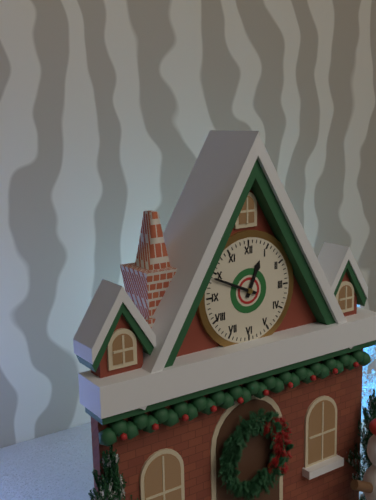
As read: h=12 m=49
